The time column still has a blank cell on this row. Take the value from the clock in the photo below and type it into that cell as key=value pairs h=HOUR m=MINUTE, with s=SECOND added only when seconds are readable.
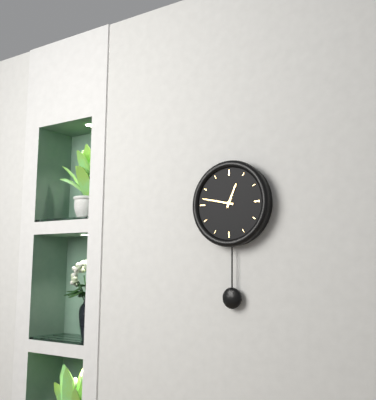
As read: h=12 m=47
